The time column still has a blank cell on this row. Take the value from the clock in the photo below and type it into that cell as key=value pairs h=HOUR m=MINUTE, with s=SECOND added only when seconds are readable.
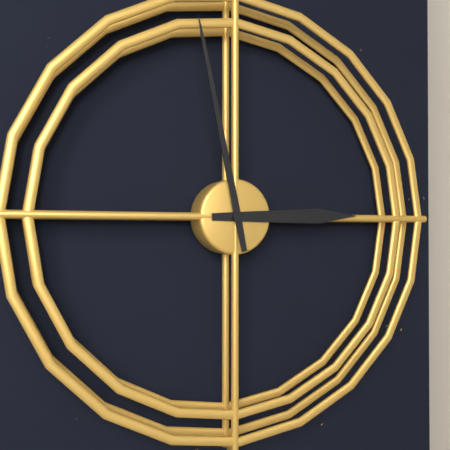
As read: h=2 m=58
